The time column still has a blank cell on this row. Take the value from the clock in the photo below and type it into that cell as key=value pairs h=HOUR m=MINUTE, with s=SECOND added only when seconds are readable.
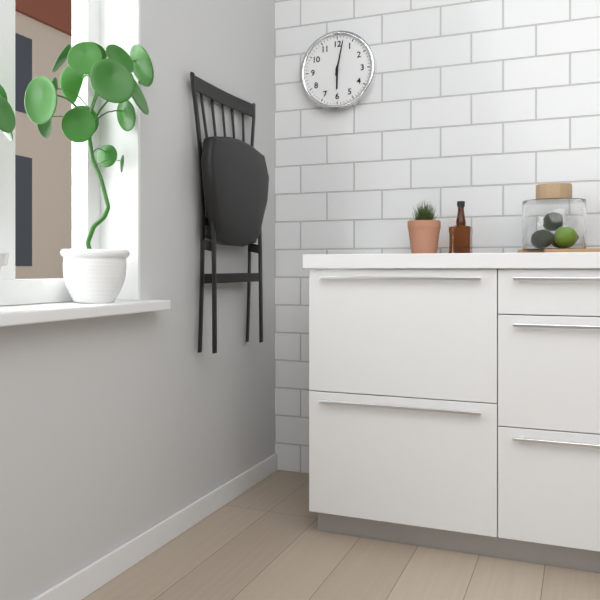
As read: h=6 m=2
